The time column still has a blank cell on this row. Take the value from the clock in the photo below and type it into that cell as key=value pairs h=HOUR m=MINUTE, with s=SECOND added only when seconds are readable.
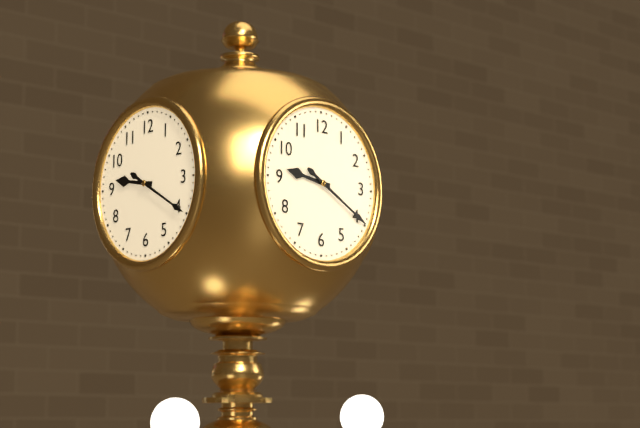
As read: h=9 m=20
